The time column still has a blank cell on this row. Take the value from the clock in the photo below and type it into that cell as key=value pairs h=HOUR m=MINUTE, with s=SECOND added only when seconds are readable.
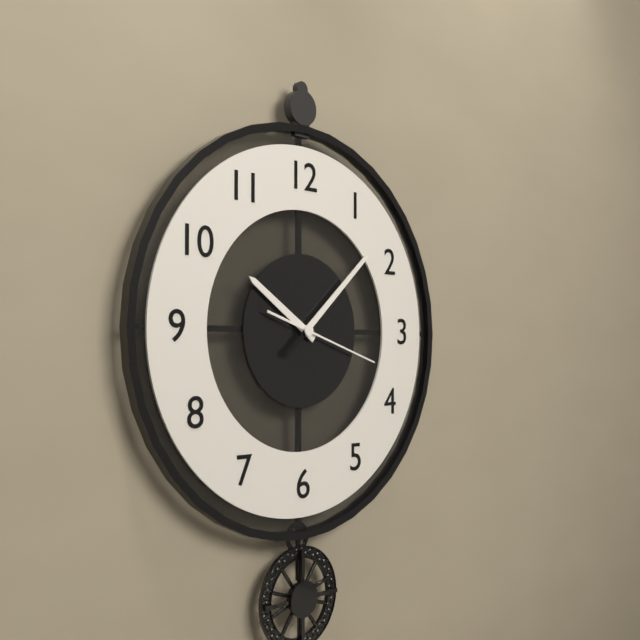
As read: h=10 m=8 s=18
